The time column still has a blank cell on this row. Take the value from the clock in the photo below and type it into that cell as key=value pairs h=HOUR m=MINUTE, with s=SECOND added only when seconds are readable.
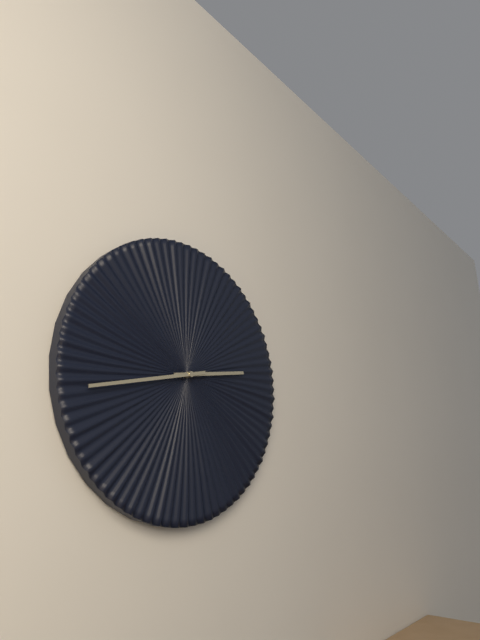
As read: h=2 m=43
